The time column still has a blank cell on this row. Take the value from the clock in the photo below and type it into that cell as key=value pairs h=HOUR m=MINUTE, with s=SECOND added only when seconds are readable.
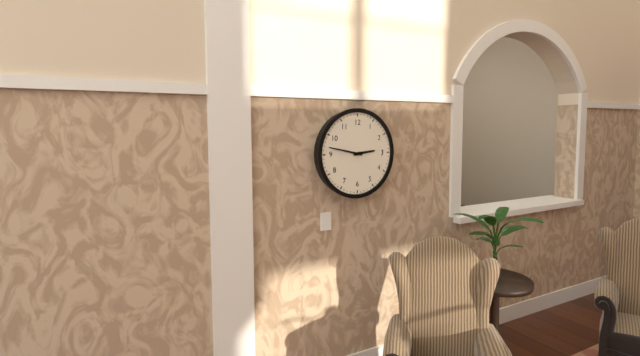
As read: h=2 m=47
